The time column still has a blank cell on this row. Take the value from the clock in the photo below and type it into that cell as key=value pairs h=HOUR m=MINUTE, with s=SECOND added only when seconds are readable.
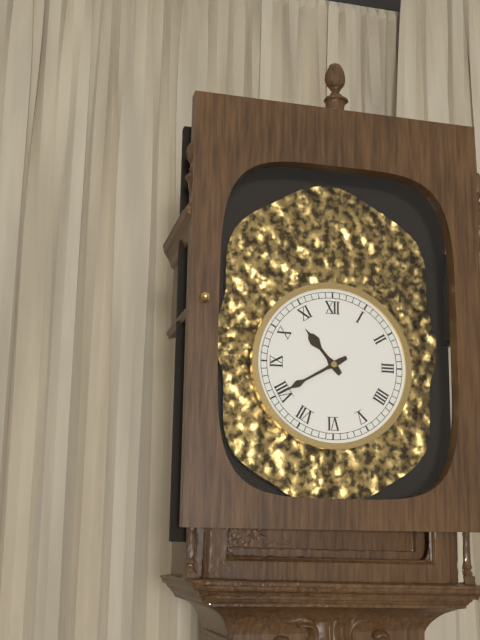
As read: h=10 m=40
